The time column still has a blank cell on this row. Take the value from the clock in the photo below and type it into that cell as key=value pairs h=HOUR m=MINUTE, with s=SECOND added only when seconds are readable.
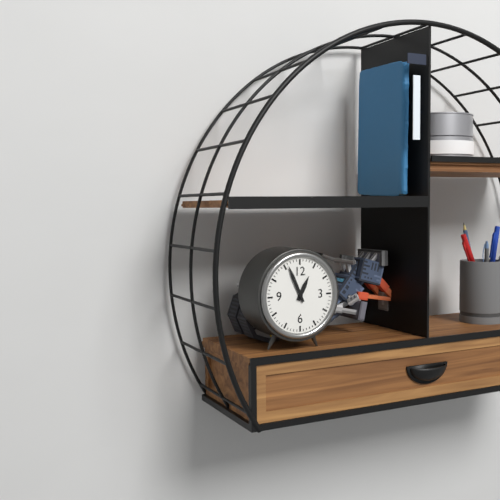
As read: h=12 m=56
